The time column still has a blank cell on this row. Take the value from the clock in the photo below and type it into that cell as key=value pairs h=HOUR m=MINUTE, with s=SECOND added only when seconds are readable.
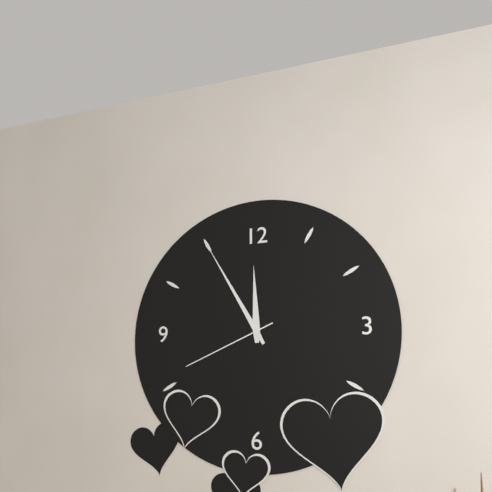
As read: h=11 m=55 s=41
